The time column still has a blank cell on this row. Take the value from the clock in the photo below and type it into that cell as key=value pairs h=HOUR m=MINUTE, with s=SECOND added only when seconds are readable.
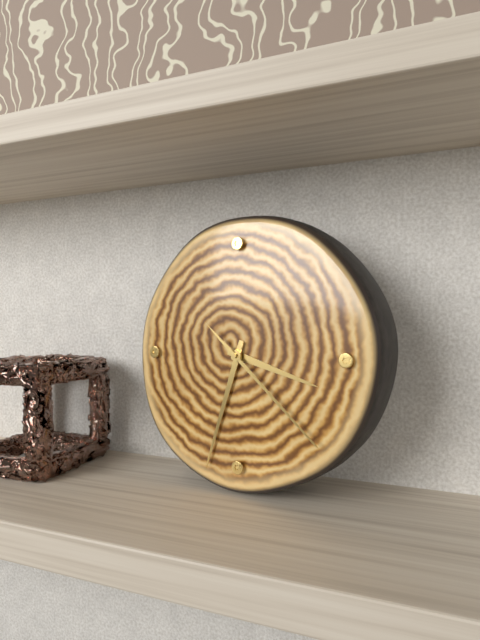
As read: h=3 m=33 s=22
